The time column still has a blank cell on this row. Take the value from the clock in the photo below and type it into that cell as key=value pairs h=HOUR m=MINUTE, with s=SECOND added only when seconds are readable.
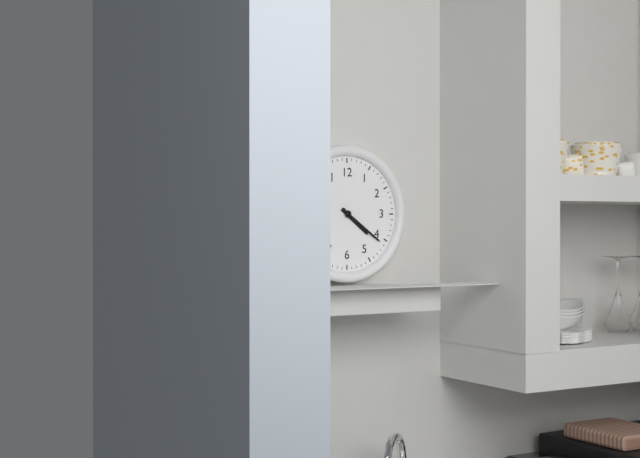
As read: h=4 m=21
